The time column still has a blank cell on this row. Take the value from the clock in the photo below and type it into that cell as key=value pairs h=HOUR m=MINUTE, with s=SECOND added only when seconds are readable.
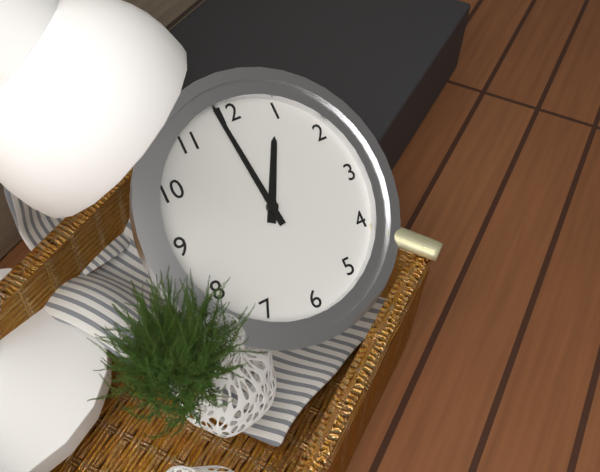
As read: h=12 m=59
